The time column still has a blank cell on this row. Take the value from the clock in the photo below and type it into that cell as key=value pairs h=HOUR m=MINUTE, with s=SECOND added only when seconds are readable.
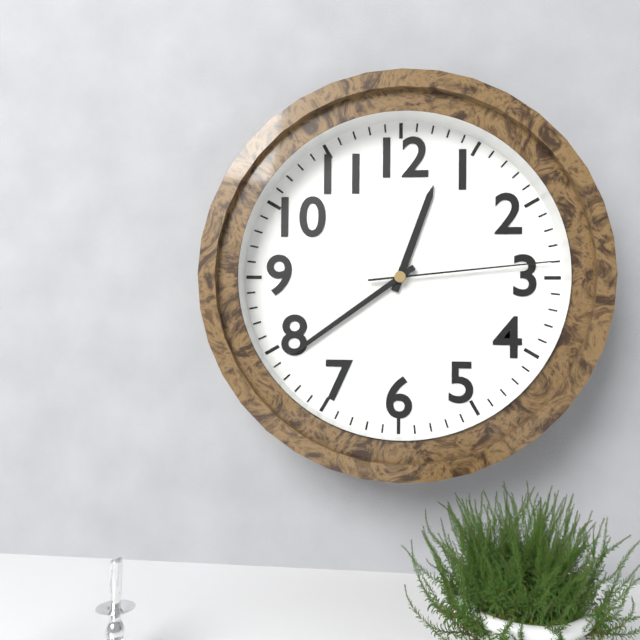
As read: h=12 m=39 s=14
